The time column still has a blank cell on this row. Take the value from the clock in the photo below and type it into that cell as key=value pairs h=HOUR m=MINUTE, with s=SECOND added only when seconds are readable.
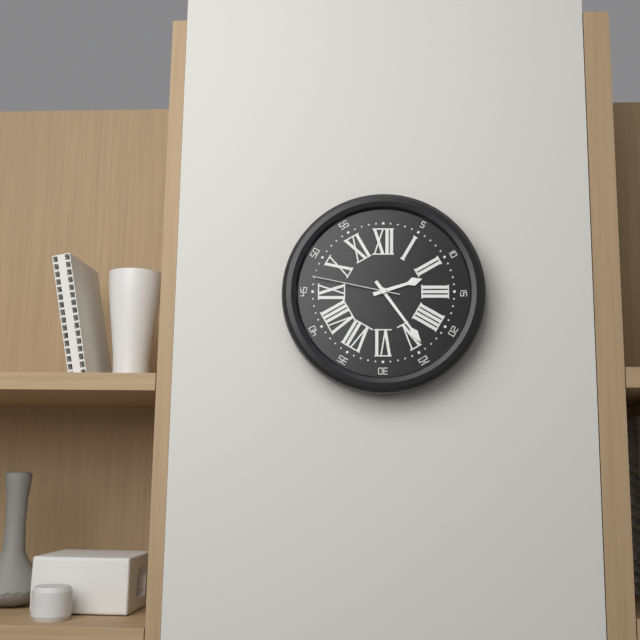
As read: h=2 m=24 s=47
